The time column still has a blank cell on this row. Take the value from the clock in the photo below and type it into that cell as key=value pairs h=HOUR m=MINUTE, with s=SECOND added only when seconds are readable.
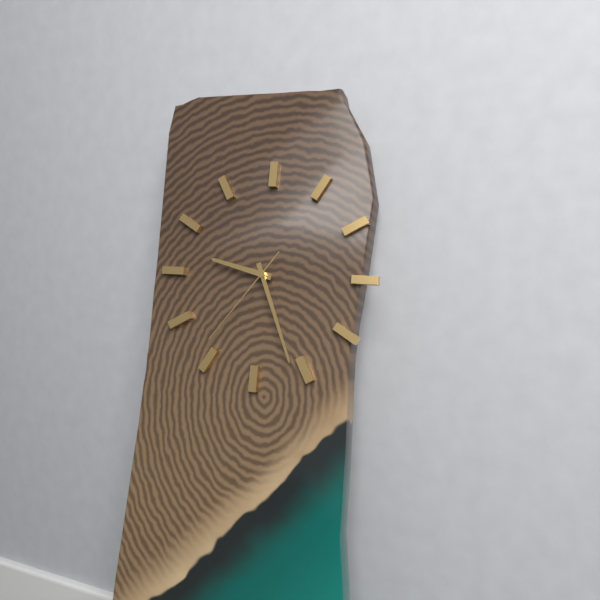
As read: h=9 m=26 s=36
